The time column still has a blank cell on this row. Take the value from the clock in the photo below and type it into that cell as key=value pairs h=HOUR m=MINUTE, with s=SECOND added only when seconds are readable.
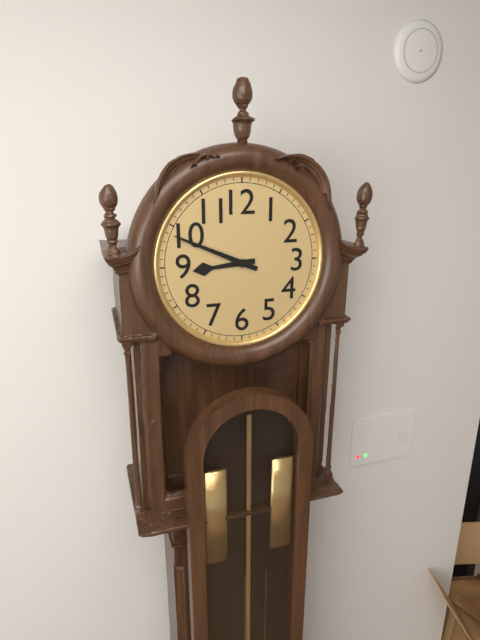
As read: h=8 m=49
